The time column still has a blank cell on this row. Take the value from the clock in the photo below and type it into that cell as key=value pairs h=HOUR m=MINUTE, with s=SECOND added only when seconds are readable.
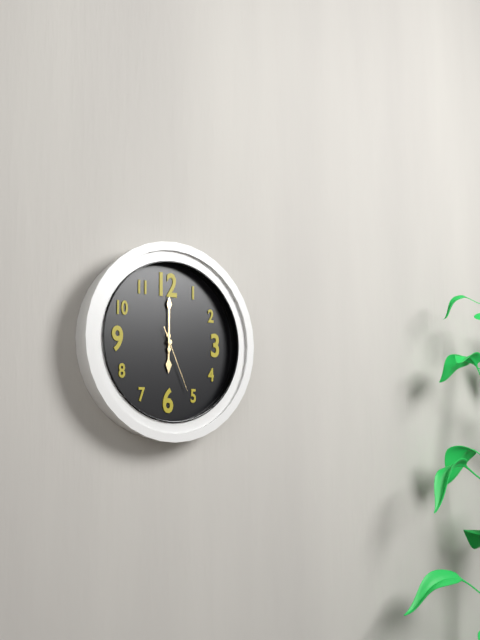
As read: h=6 m=0 s=26
